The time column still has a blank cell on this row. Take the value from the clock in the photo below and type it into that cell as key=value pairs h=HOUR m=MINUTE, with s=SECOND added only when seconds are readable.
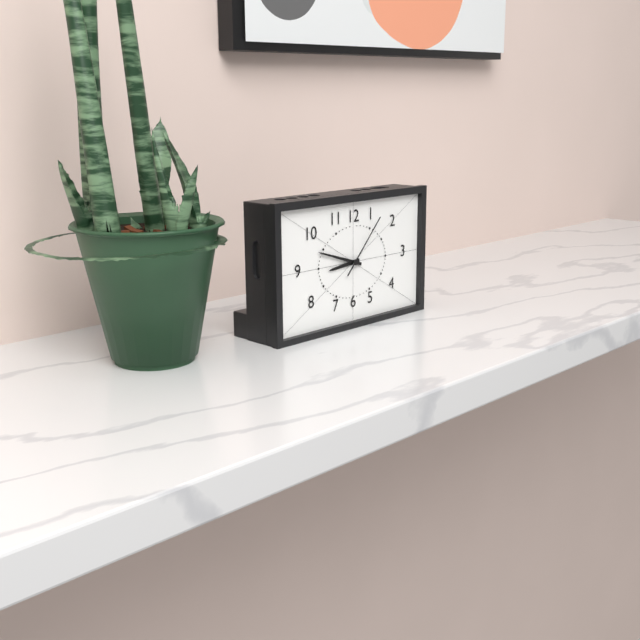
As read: h=8 m=48 s=7
